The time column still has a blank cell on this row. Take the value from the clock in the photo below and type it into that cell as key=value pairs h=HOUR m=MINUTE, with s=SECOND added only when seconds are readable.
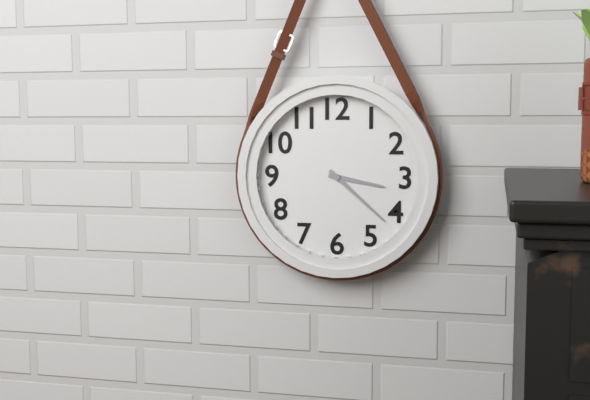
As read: h=3 m=22
